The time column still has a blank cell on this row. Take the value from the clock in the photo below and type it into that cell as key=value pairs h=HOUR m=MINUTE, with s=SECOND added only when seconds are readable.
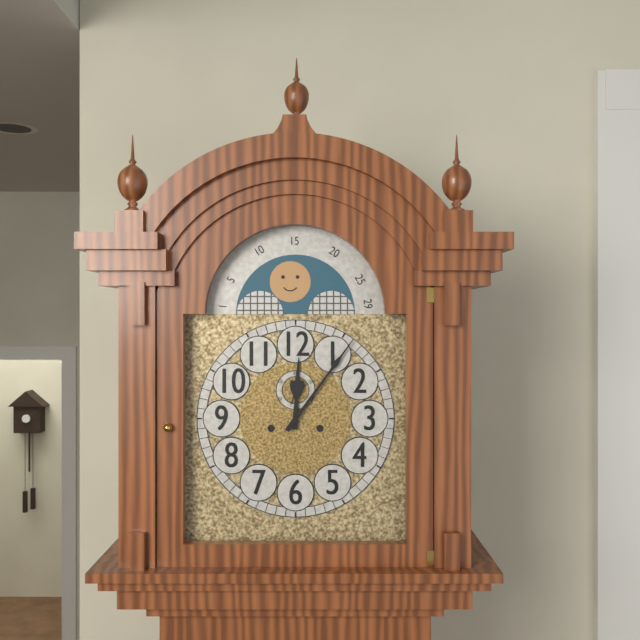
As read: h=12 m=6
